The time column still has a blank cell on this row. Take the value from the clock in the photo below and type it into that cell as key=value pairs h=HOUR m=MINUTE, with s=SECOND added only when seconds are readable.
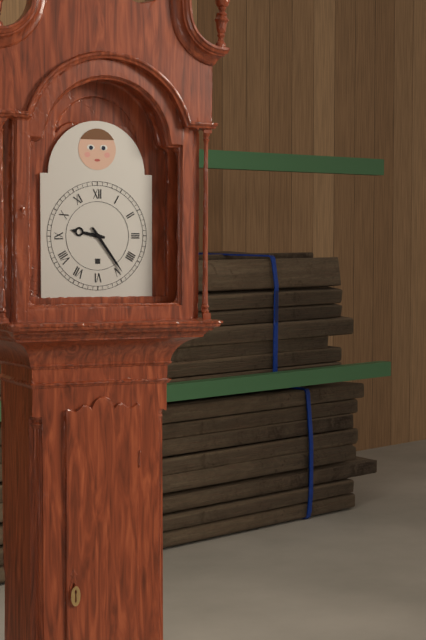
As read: h=9 m=24
